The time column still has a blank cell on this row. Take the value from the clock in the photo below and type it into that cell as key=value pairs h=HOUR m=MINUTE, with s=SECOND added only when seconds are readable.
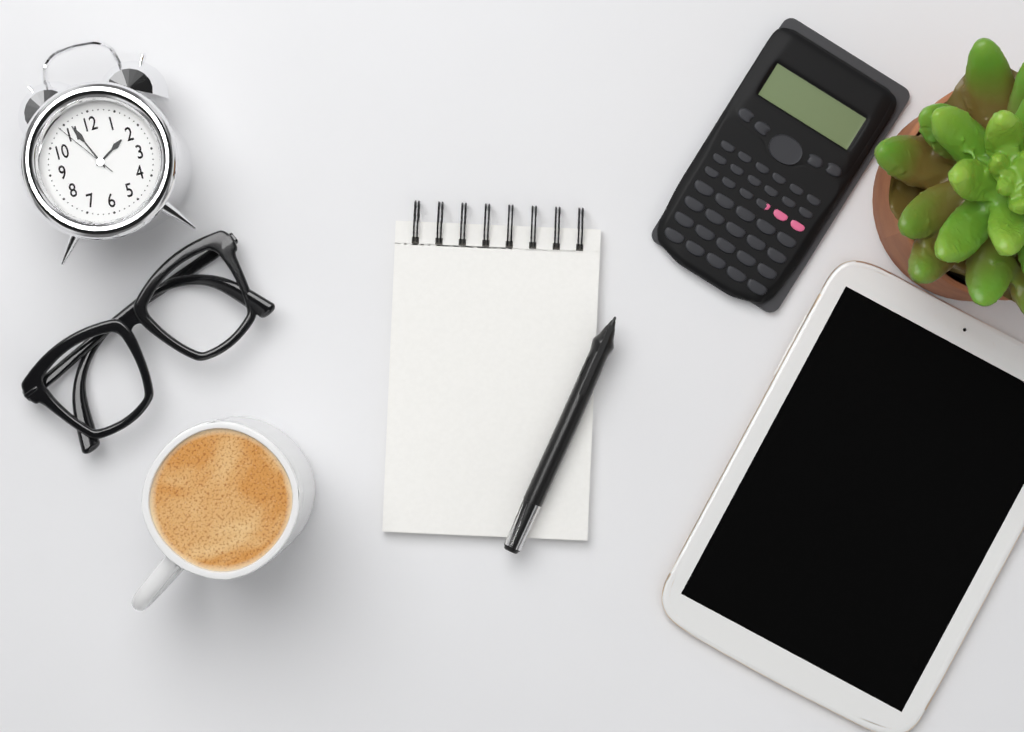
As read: h=1 m=56 s=54
